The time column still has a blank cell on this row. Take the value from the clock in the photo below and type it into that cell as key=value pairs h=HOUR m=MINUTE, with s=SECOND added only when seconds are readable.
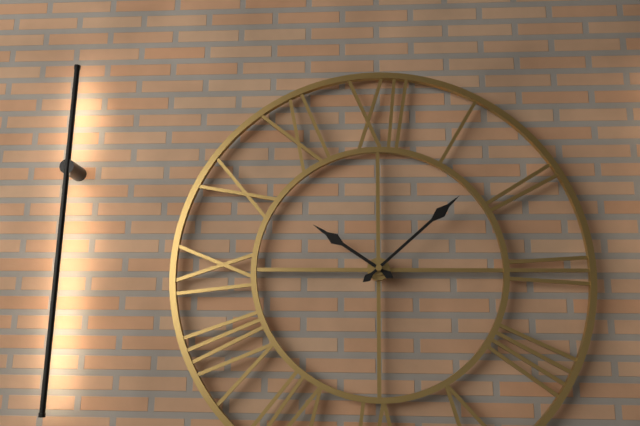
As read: h=10 m=8
